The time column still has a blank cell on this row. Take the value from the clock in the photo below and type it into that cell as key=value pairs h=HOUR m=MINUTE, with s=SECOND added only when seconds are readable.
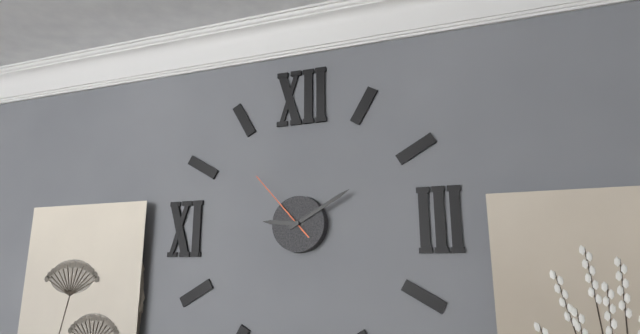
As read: h=9 m=10 s=53
